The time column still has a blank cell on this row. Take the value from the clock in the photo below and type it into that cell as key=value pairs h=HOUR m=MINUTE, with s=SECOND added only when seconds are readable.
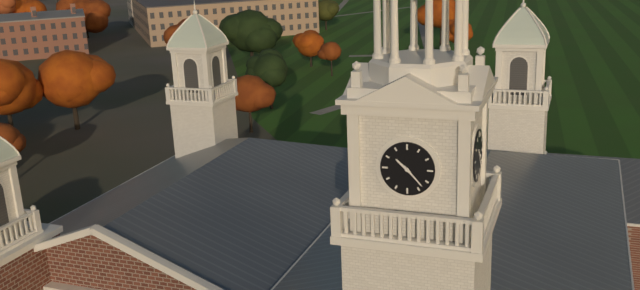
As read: h=10 m=23
